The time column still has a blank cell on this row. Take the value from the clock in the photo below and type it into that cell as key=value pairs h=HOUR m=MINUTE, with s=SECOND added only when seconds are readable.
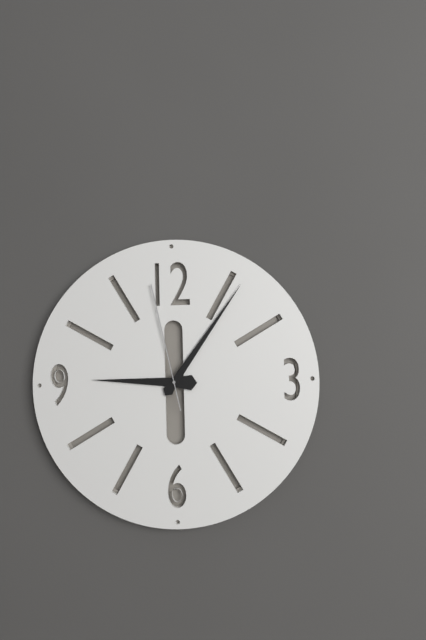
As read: h=9 m=6 s=58
